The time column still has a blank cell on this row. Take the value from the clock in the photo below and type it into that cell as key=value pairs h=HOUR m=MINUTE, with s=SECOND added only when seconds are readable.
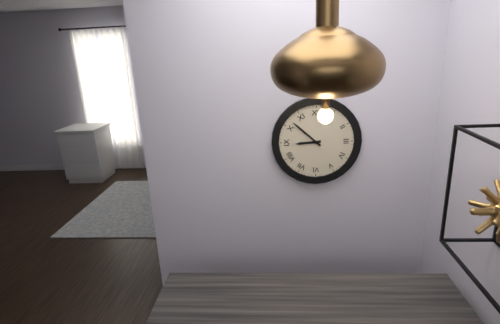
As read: h=8 m=52
